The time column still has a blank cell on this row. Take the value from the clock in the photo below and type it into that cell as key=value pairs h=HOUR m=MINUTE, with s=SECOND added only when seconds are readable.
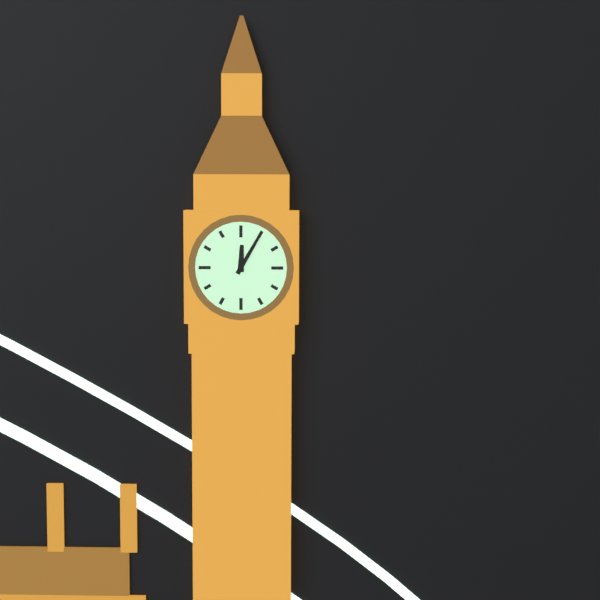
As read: h=12 m=5
